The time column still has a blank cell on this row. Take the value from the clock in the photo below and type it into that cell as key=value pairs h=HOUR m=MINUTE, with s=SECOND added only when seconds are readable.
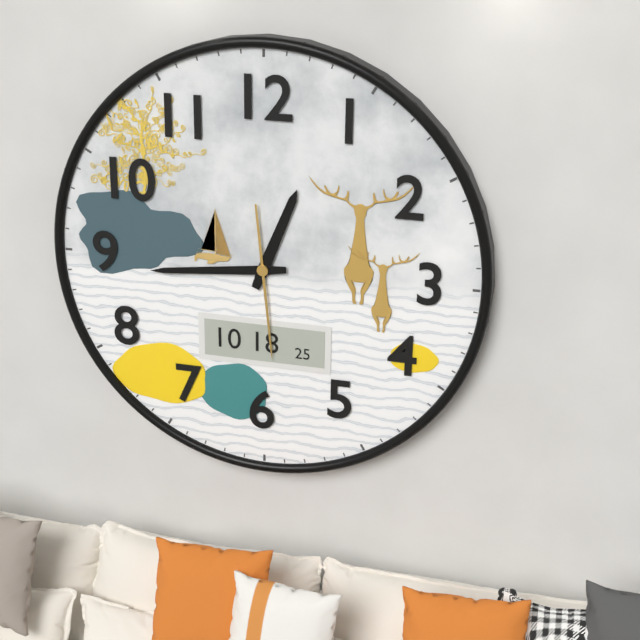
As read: h=12 m=44 s=29
